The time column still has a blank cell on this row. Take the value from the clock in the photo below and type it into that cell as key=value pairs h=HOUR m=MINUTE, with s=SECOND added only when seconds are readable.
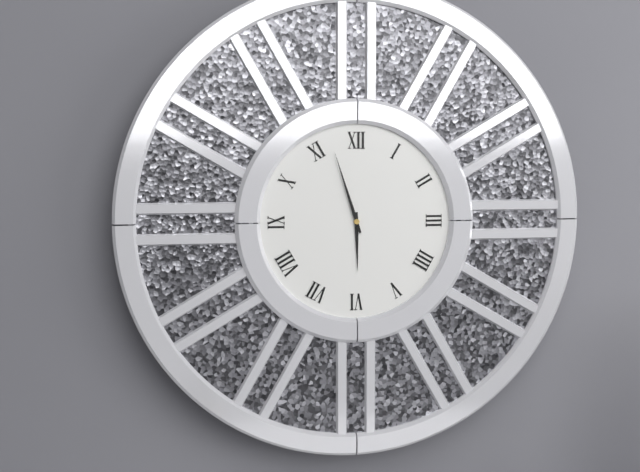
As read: h=5 m=57
